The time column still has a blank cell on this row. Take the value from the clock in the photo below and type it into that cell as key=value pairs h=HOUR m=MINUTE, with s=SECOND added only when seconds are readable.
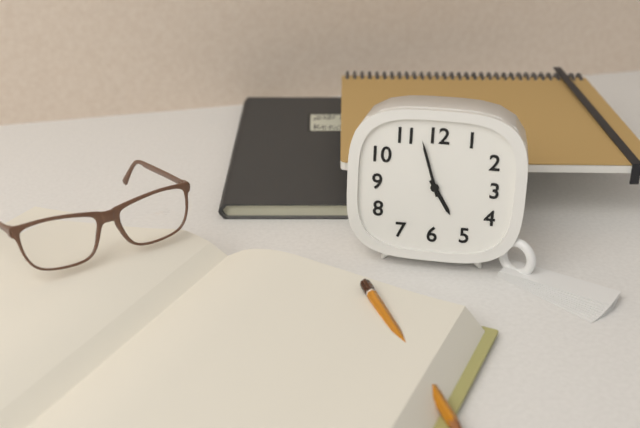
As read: h=4 m=57
